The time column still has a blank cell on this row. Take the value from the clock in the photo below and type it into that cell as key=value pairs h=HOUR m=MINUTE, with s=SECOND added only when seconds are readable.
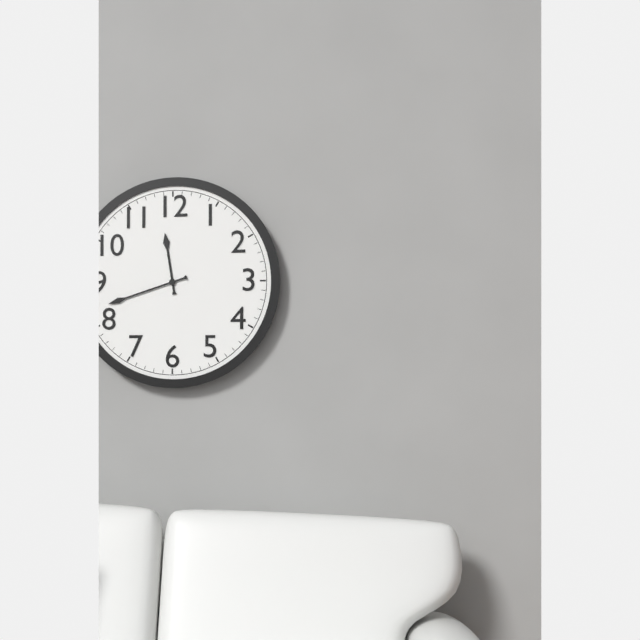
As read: h=11 m=42
